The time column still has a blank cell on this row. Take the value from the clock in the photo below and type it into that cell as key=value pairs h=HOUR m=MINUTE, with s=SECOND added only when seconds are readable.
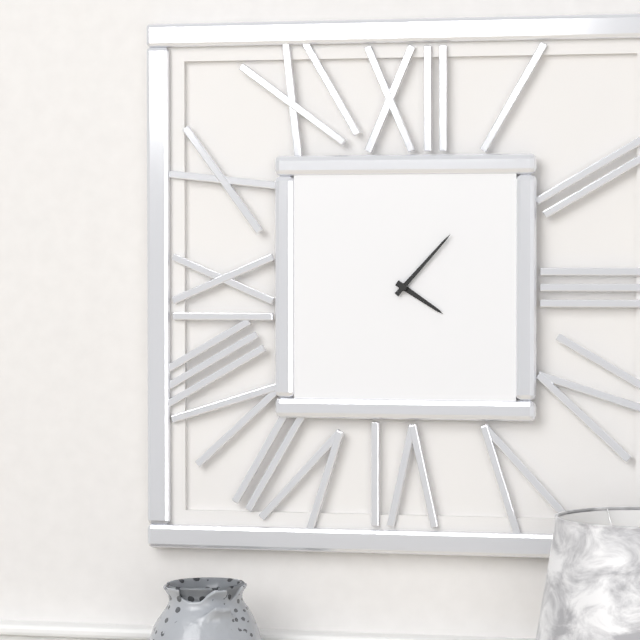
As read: h=4 m=7
